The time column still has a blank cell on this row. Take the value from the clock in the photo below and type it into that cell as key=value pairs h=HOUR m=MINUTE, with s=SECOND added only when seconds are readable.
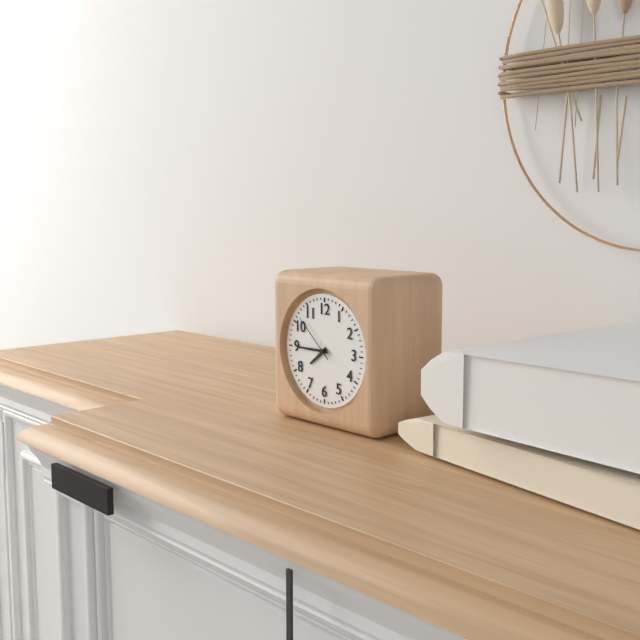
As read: h=7 m=45 s=52
